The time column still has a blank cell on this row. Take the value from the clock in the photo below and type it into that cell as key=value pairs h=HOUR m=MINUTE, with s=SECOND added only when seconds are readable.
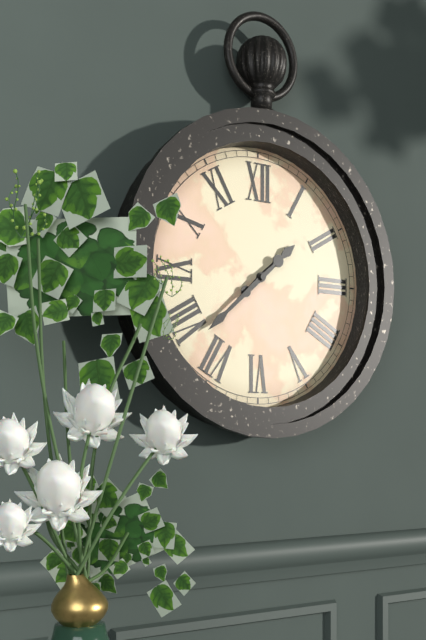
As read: h=1 m=38
